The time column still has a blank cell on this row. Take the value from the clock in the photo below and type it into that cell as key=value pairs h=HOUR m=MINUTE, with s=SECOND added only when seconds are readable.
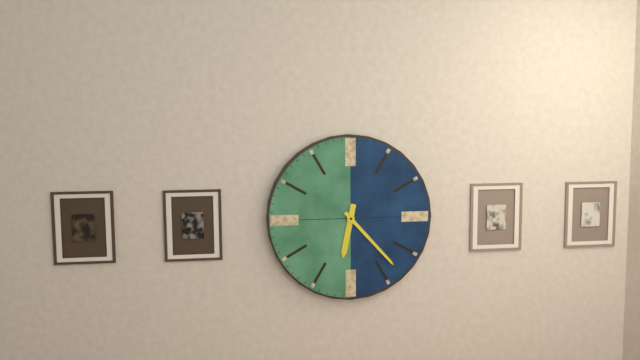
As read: h=6 m=23
